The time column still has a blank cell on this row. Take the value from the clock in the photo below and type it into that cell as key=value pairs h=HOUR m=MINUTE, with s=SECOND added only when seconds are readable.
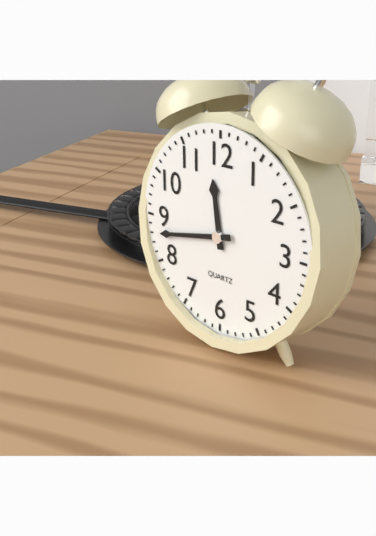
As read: h=11 m=43
